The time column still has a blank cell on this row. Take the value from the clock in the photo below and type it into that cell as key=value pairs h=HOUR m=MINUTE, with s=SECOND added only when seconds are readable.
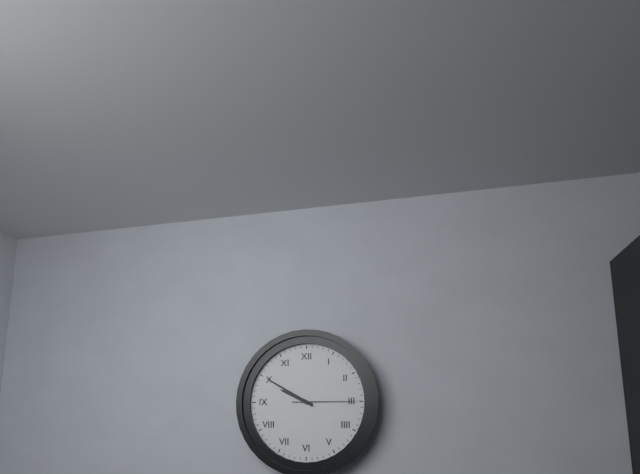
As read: h=9 m=50 s=15
